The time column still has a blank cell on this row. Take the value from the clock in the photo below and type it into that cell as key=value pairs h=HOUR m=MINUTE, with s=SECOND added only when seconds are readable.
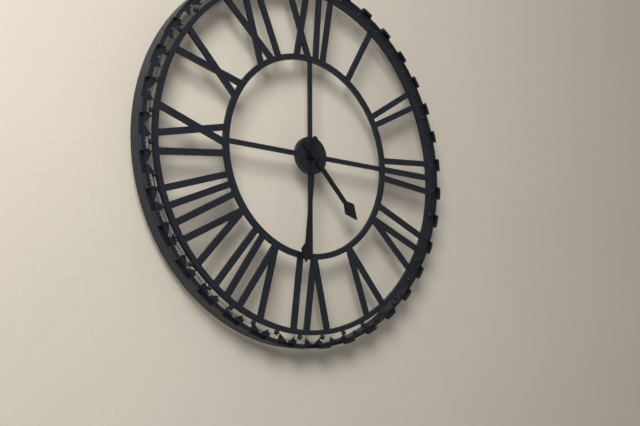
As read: h=4 m=31
